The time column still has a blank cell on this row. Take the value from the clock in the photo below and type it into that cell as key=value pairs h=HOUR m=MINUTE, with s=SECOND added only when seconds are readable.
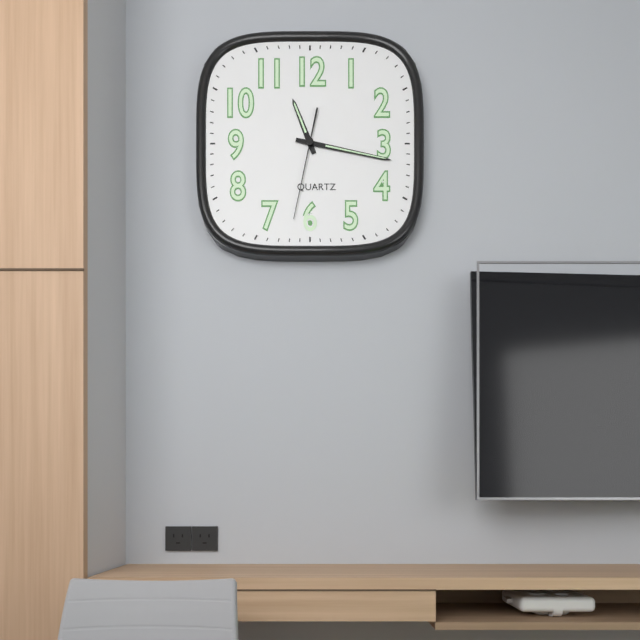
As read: h=11 m=17 s=32
